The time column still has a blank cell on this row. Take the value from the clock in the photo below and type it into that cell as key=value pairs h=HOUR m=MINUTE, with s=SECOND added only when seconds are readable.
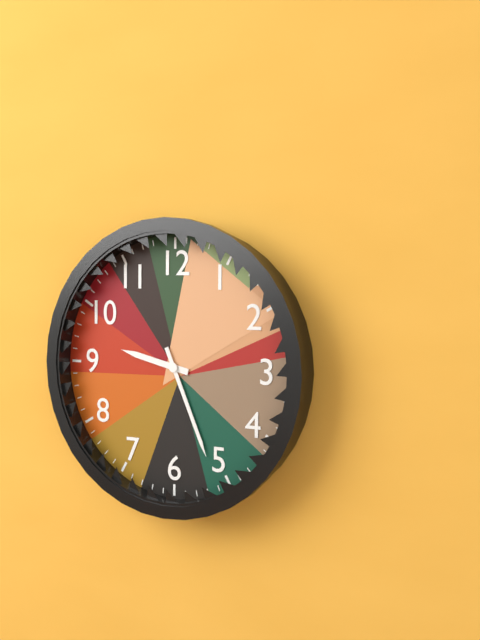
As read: h=9 m=26
